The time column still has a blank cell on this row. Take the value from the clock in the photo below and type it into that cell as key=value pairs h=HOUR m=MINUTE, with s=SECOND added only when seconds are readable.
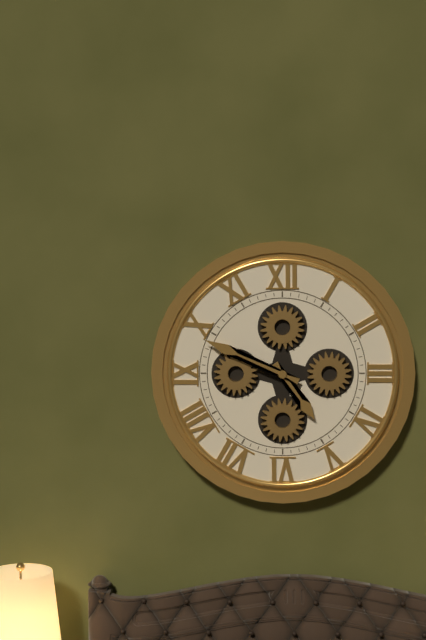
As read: h=4 m=49
